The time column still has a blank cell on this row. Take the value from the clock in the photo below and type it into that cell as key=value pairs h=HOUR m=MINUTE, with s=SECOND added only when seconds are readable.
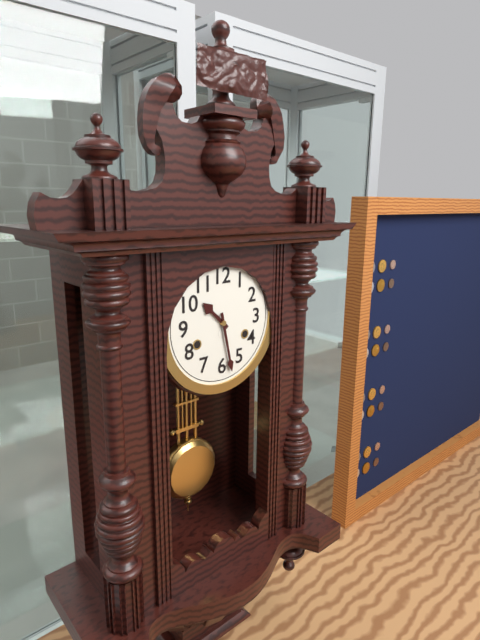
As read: h=10 m=28
